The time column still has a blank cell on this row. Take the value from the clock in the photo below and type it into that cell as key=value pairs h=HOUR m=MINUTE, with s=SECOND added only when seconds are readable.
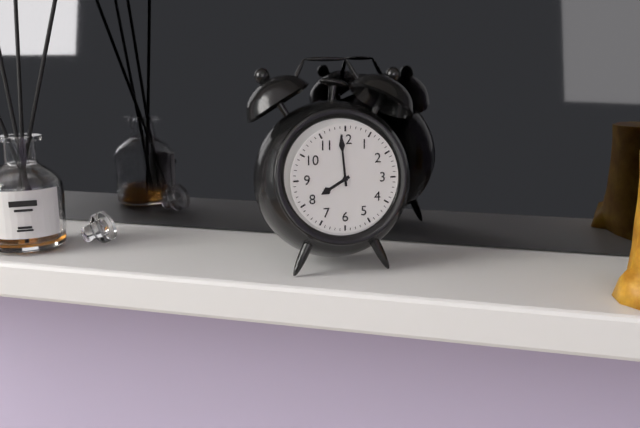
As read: h=7 m=59
